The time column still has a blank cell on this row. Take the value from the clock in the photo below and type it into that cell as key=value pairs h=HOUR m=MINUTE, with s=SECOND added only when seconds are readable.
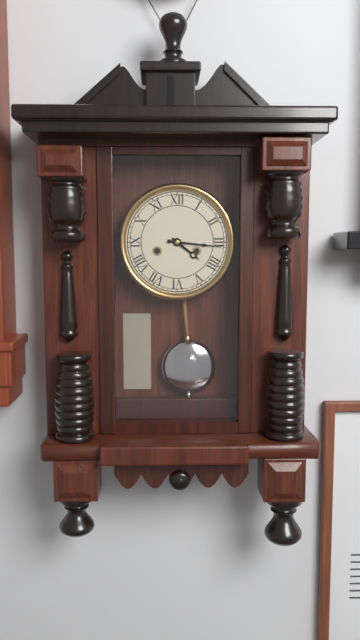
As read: h=4 m=16
